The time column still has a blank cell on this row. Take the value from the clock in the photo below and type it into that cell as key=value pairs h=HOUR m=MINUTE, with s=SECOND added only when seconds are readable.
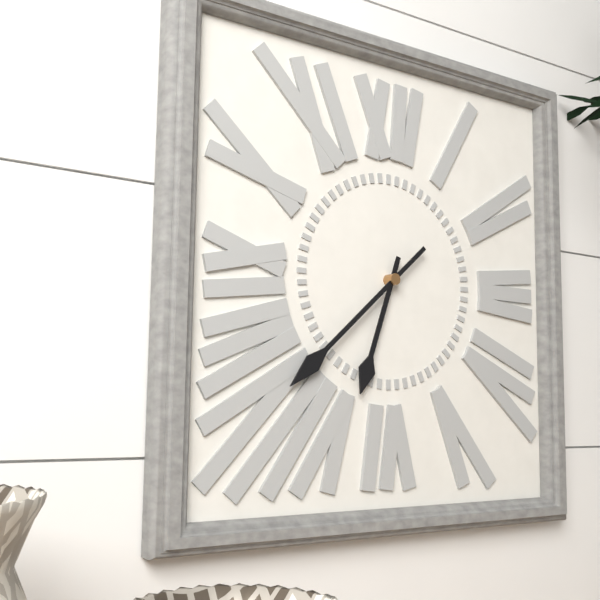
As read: h=6 m=38
